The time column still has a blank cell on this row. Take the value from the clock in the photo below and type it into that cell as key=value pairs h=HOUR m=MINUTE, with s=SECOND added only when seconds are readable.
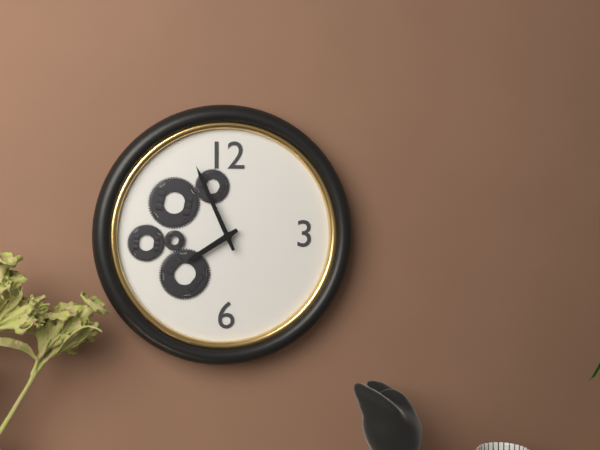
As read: h=7 m=56
